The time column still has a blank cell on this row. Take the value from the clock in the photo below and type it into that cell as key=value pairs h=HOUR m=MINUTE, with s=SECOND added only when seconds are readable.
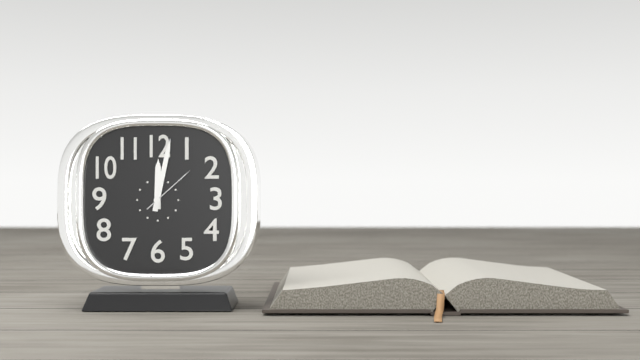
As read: h=12 m=2 s=8
